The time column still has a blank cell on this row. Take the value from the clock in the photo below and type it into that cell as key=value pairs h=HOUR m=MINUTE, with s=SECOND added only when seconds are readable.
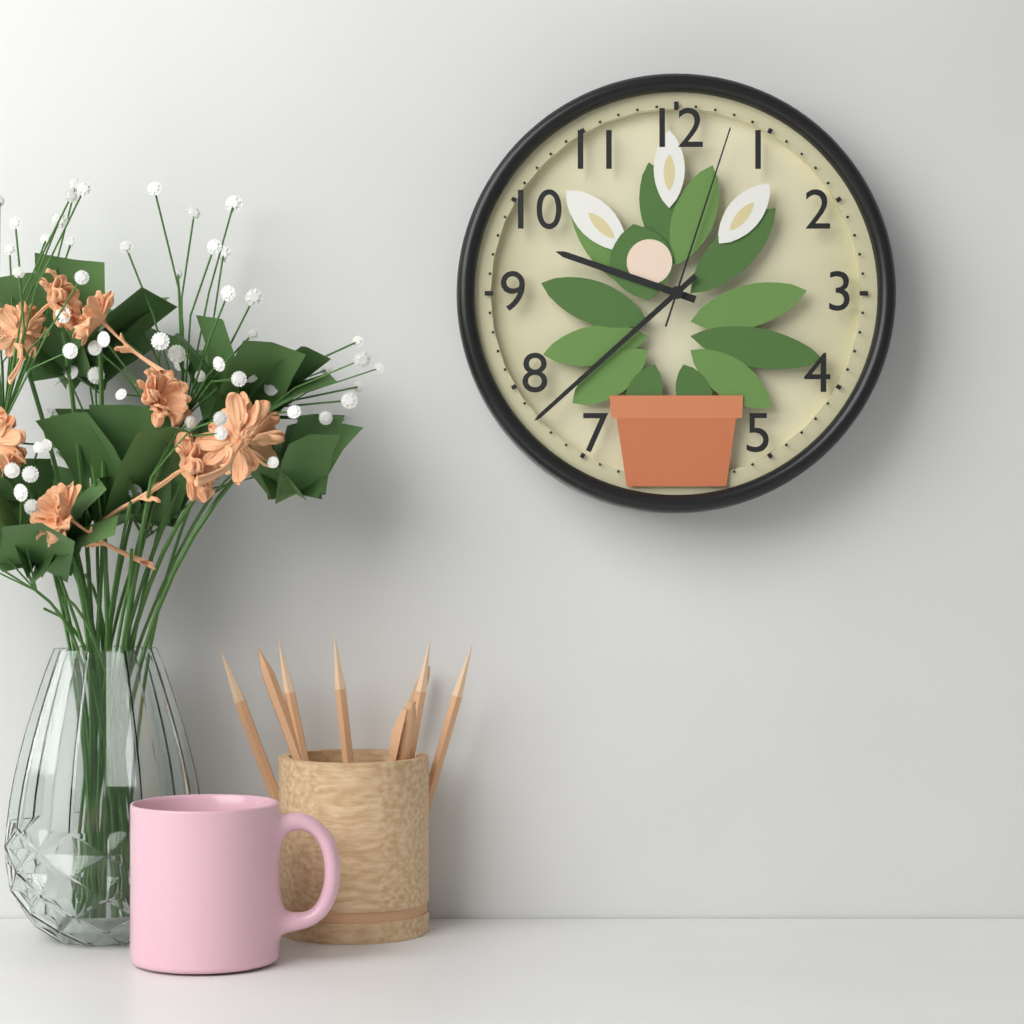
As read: h=9 m=38 s=3
